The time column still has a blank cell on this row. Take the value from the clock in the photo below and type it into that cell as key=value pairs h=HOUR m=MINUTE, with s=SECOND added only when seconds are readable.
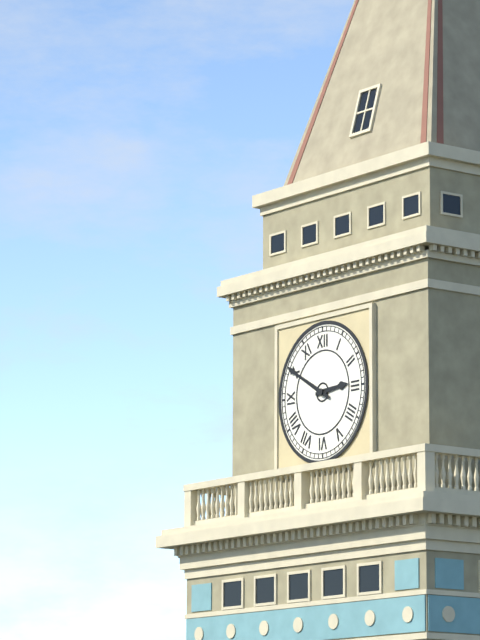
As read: h=2 m=50
